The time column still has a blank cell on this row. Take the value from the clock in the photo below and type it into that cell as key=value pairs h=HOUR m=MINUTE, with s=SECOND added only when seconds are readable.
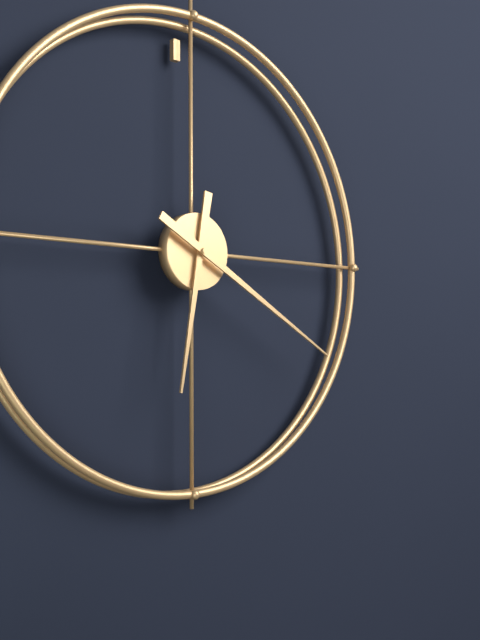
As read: h=6 m=20
